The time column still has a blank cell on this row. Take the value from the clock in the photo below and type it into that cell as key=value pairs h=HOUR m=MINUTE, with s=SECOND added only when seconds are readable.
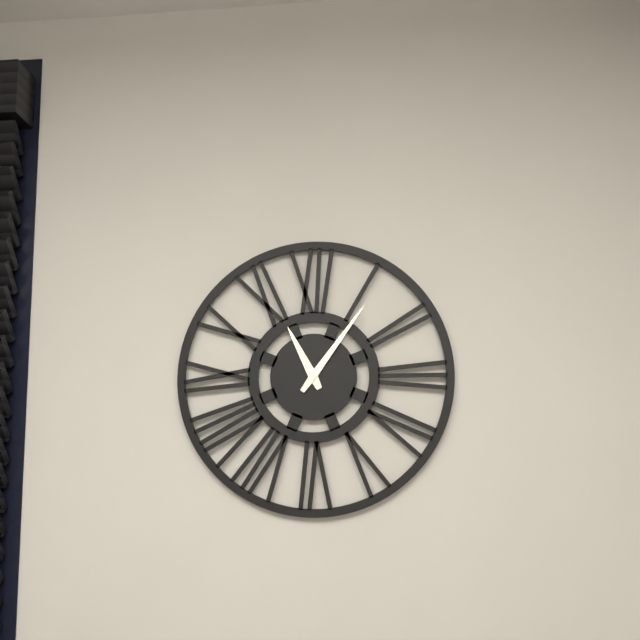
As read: h=11 m=6
